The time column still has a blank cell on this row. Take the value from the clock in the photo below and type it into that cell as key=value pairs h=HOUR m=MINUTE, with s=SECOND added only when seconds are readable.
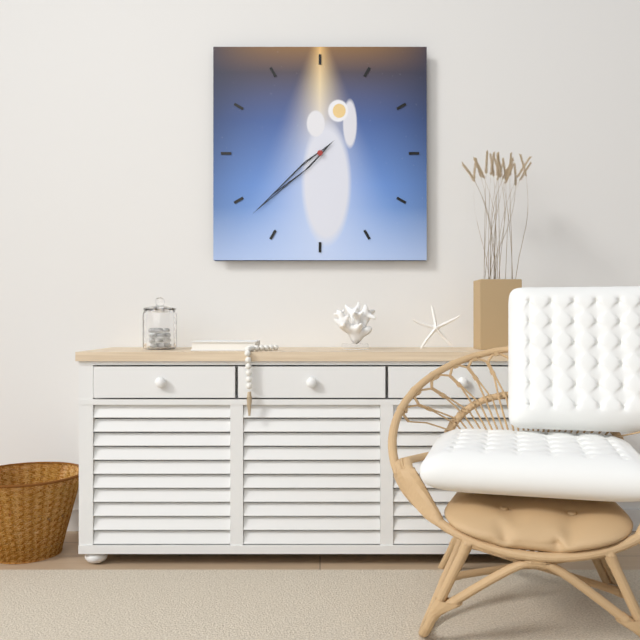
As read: h=7 m=38
